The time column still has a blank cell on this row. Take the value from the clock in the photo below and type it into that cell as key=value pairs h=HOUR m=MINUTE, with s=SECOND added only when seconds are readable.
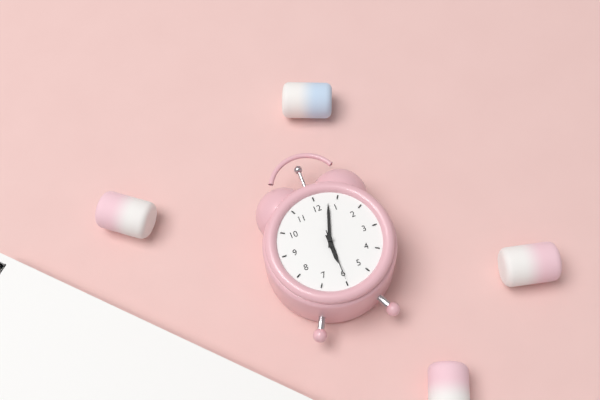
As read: h=6 m=3 s=30
